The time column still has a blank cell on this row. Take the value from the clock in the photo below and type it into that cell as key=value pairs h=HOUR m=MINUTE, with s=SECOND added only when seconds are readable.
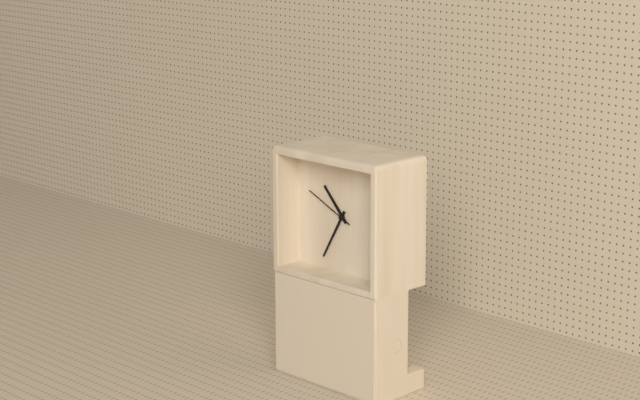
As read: h=10 m=35 s=49
